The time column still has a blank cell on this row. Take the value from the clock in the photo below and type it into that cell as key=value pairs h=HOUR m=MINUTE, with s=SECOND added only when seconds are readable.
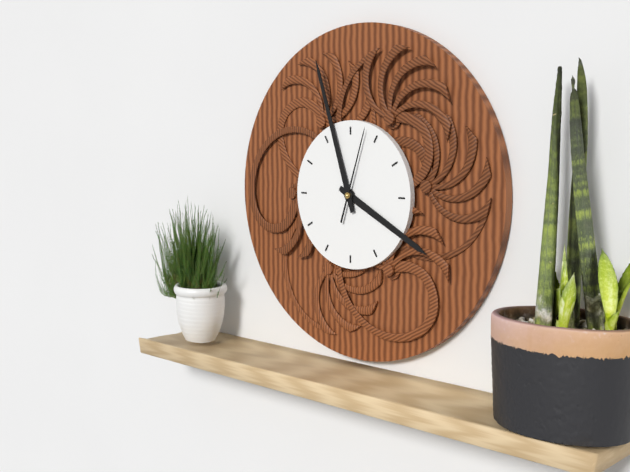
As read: h=3 m=57 s=3
